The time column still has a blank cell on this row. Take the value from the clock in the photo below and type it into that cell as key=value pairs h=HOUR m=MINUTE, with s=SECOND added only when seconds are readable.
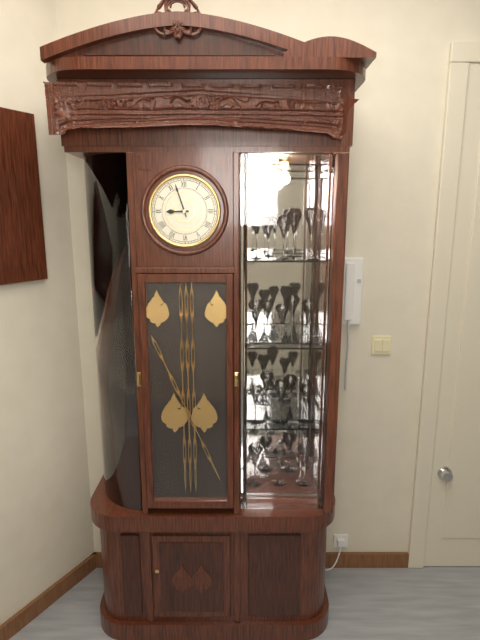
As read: h=8 m=57
